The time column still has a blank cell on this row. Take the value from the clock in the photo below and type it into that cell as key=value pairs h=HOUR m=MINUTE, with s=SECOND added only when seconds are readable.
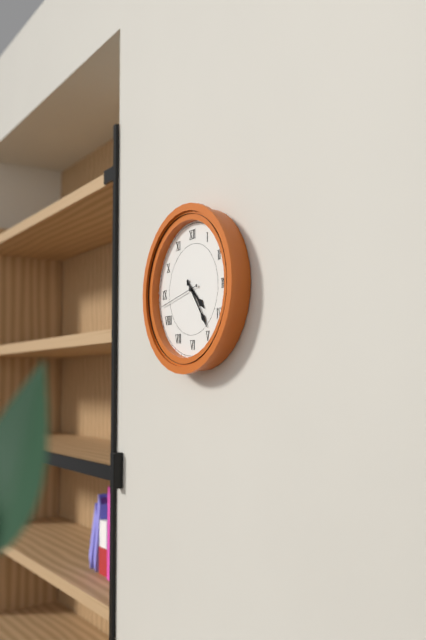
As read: h=4 m=24
